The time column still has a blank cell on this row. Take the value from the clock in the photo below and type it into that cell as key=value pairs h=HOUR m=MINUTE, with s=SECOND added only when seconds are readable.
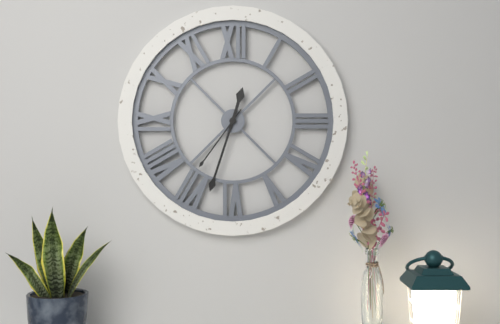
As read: h=12 m=33 s=36
